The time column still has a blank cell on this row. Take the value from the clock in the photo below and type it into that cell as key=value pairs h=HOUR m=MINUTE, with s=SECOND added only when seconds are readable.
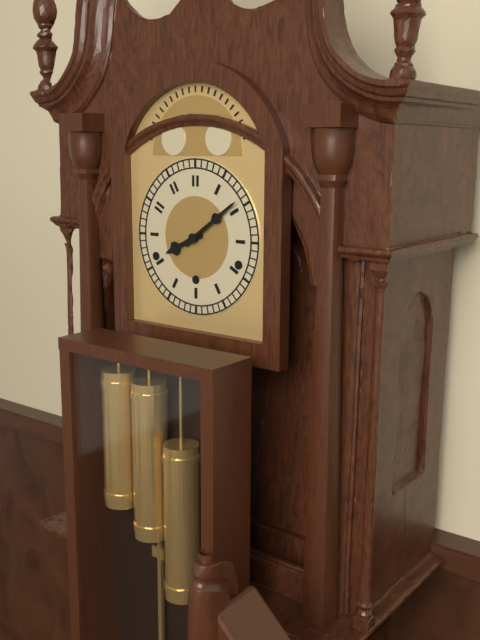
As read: h=8 m=9
